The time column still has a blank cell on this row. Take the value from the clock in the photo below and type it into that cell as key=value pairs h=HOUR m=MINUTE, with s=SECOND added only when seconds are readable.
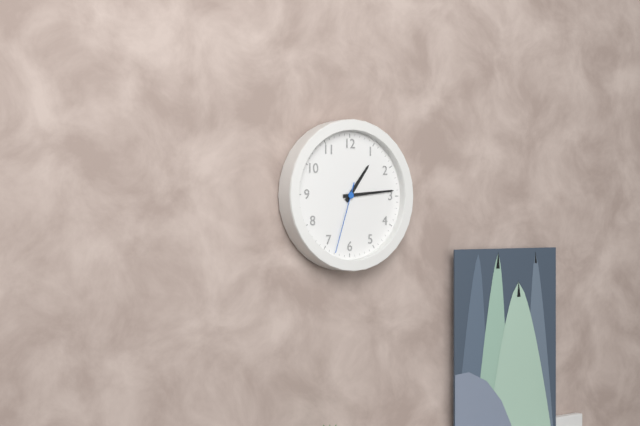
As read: h=1 m=14 s=33
